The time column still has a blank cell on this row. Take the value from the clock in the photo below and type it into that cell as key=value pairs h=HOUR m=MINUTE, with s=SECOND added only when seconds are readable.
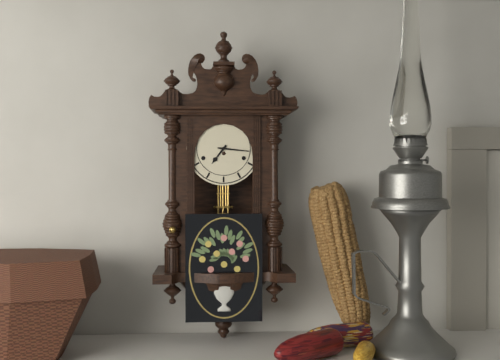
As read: h=7 m=16
